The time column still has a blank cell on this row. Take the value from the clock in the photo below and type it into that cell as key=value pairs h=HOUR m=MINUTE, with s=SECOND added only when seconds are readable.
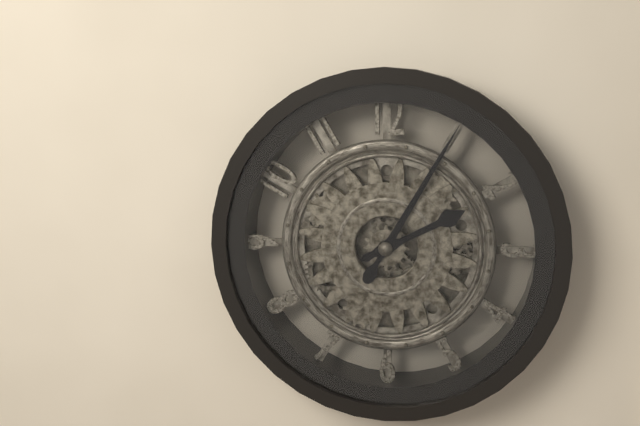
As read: h=2 m=5
